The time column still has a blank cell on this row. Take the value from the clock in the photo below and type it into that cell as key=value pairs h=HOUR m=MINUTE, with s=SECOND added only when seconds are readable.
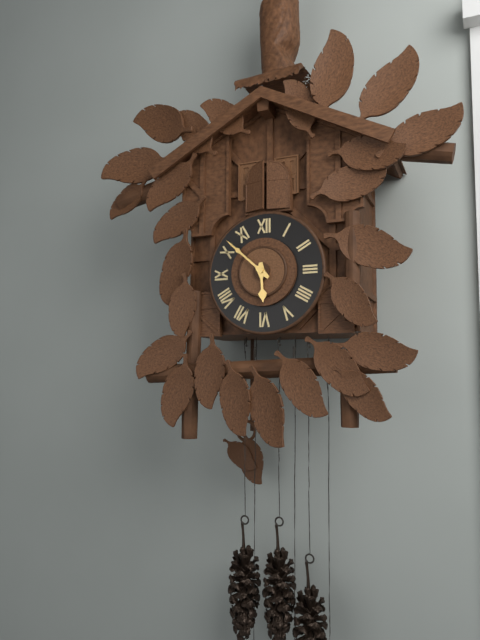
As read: h=5 m=52
